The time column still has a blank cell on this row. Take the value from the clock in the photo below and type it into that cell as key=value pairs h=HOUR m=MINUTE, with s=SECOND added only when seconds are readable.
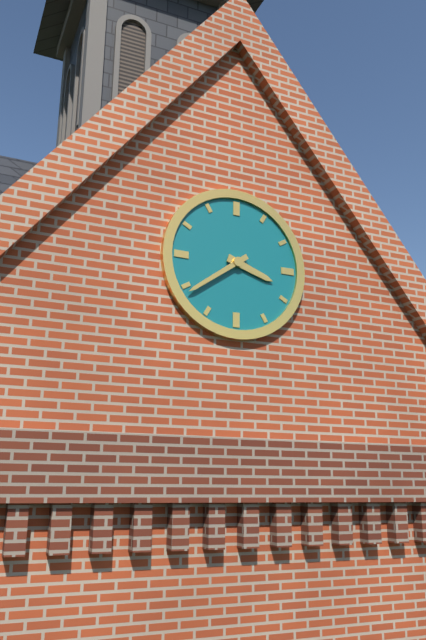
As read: h=3 m=39
